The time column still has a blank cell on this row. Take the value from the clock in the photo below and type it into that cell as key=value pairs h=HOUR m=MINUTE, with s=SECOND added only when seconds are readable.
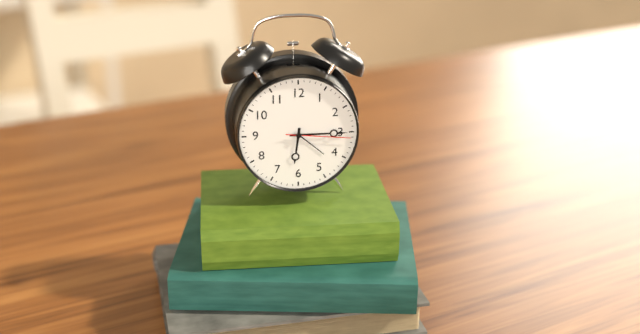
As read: h=6 m=15 s=16
